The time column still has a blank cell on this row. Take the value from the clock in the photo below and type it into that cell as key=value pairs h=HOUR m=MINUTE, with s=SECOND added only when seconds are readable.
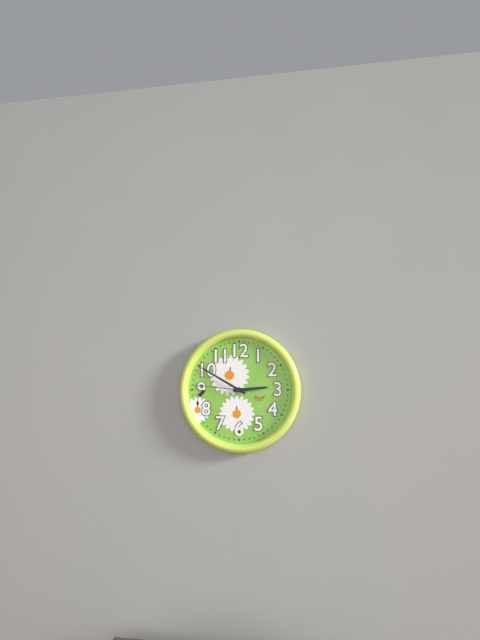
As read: h=2 m=50 s=46
